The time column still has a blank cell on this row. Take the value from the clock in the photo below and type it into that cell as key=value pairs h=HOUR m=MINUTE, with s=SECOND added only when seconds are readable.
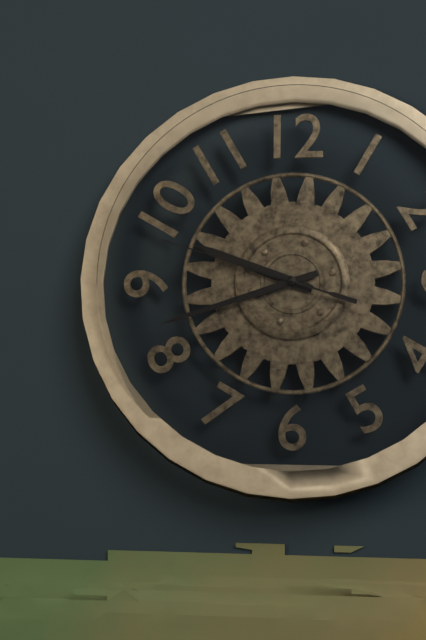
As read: h=9 m=42 s=48
